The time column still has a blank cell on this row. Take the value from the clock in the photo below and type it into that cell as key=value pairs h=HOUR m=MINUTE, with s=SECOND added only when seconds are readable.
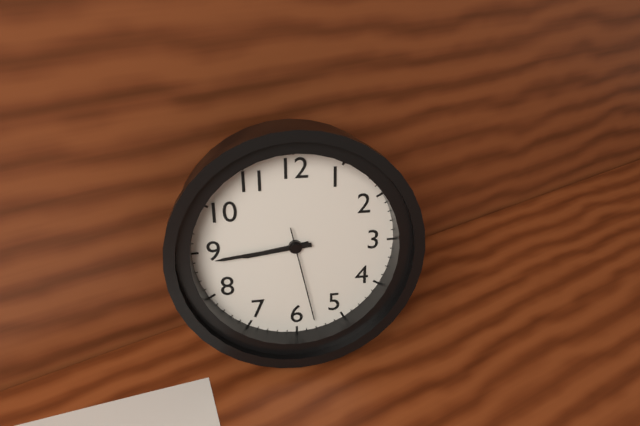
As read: h=8 m=44 s=28
